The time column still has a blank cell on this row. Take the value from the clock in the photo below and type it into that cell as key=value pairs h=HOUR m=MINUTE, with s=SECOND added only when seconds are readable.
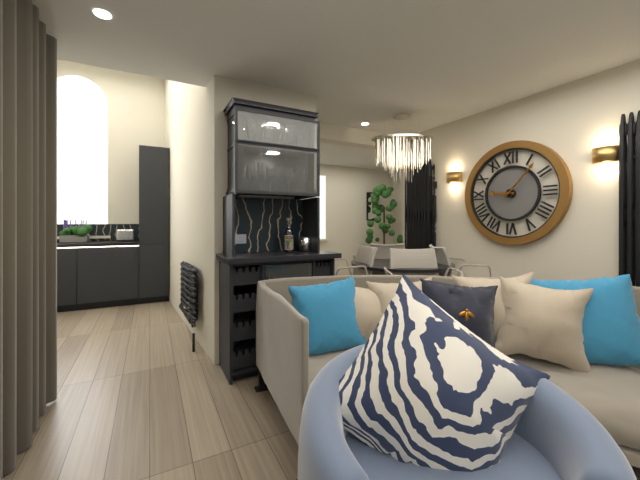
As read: h=9 m=7
